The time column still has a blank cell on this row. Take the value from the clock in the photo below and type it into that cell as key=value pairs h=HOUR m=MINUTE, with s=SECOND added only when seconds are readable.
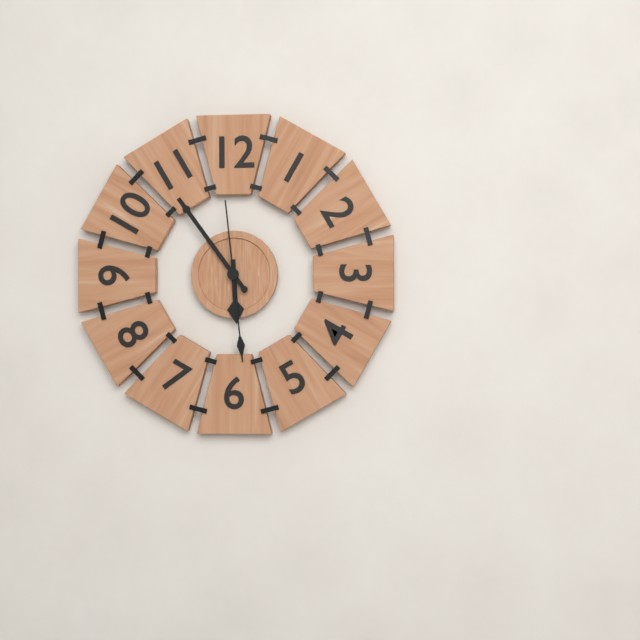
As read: h=5 m=54 s=29
